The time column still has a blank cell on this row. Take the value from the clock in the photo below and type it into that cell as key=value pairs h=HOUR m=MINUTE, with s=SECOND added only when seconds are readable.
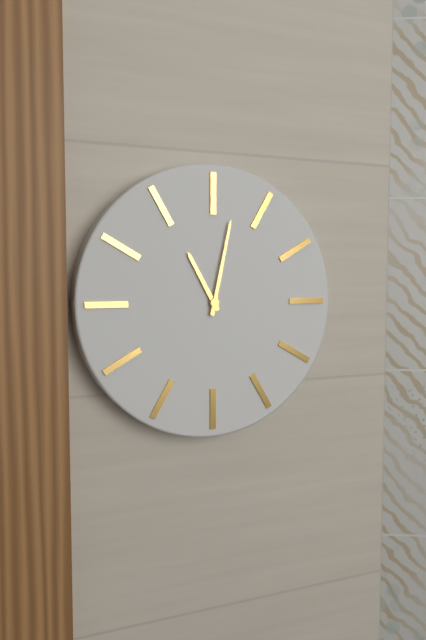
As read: h=11 m=2
